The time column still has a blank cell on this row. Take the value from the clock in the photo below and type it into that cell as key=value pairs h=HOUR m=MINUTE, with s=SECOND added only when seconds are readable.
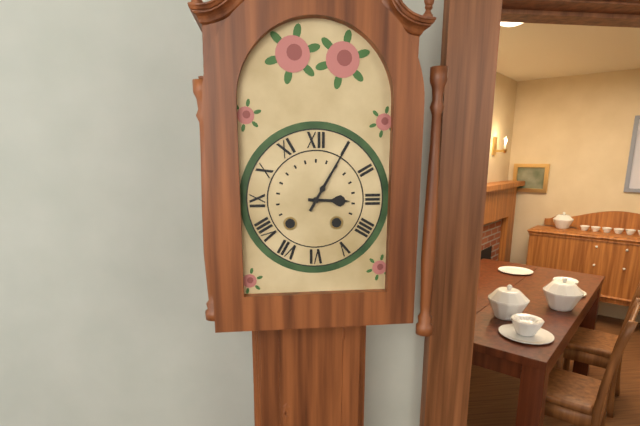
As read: h=3 m=5
